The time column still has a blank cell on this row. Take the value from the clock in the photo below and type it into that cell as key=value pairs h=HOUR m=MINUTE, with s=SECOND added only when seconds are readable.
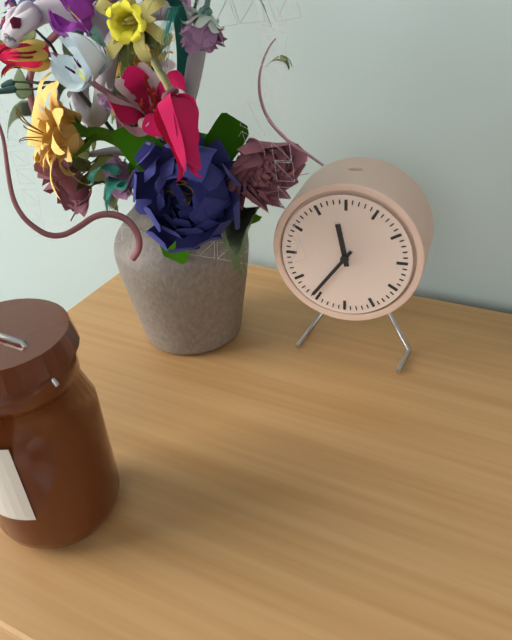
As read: h=11 m=36
